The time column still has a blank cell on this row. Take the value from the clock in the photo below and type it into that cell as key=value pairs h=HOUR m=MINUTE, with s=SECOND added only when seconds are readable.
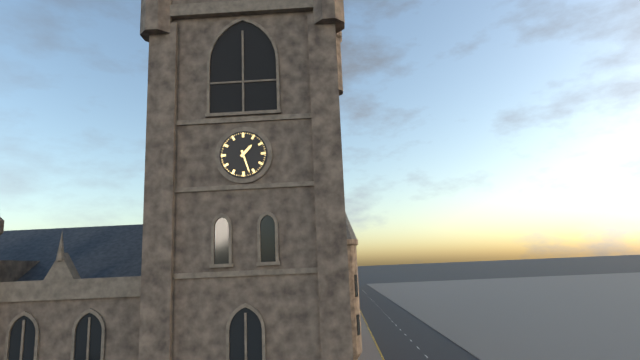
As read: h=1 m=27
